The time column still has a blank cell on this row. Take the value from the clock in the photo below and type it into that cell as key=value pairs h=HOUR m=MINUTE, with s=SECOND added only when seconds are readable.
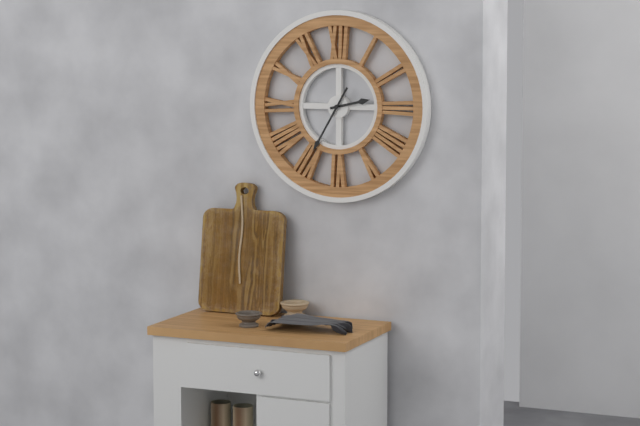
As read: h=2 m=35
